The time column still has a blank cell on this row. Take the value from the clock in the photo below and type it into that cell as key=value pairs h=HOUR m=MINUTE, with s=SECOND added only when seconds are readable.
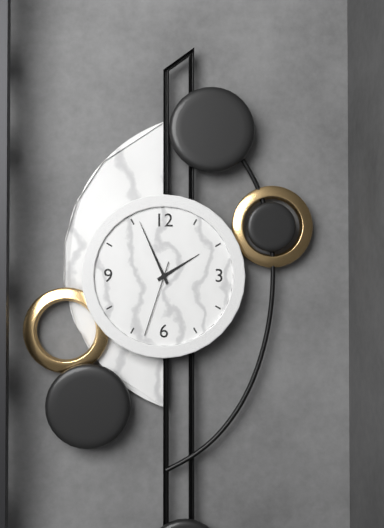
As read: h=1 m=56 s=33
